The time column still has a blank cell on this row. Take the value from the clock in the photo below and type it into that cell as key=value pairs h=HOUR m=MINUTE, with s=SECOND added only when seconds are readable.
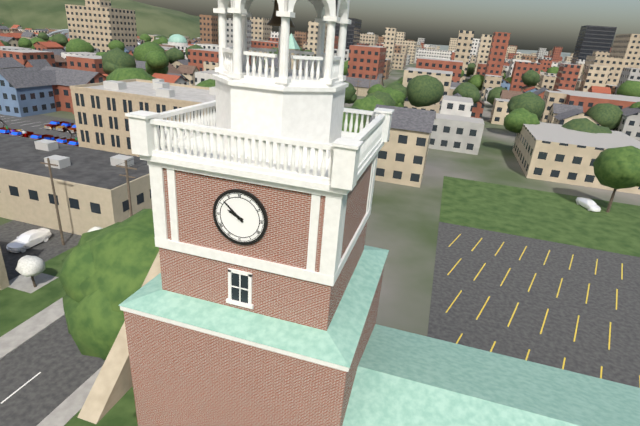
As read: h=9 m=52
